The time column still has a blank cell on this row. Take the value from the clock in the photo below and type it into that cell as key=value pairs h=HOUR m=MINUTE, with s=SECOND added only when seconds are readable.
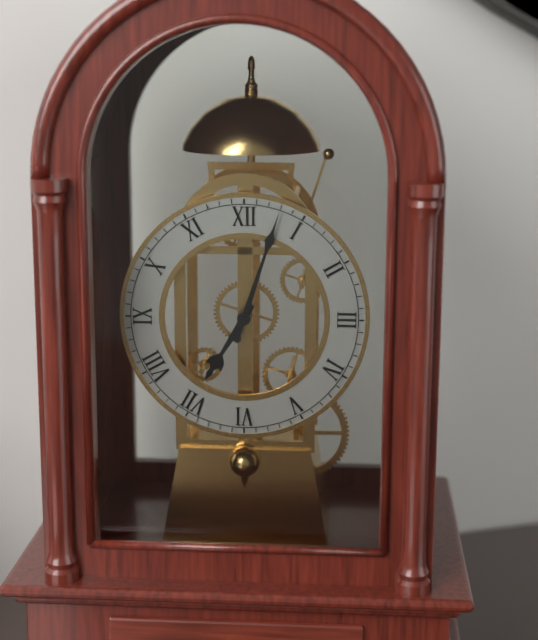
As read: h=7 m=3
